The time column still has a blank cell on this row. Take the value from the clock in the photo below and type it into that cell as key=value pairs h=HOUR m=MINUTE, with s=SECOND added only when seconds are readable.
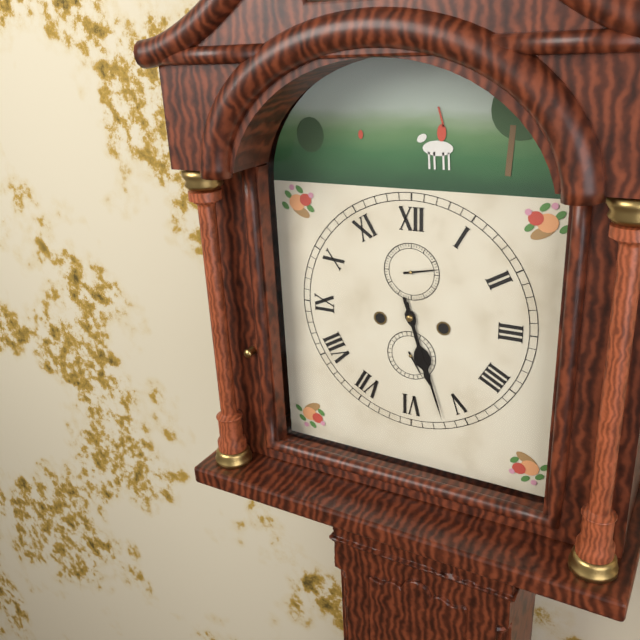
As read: h=5 m=27
